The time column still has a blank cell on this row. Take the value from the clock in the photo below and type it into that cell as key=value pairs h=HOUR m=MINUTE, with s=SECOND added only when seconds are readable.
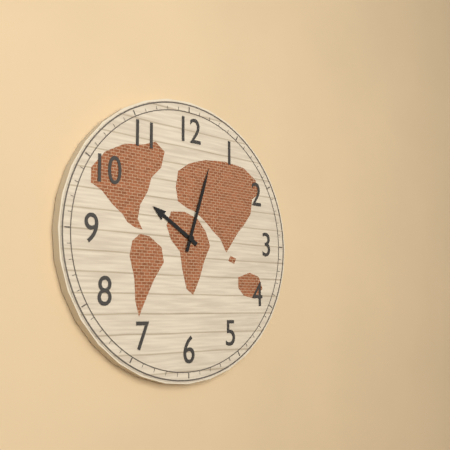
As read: h=10 m=3
